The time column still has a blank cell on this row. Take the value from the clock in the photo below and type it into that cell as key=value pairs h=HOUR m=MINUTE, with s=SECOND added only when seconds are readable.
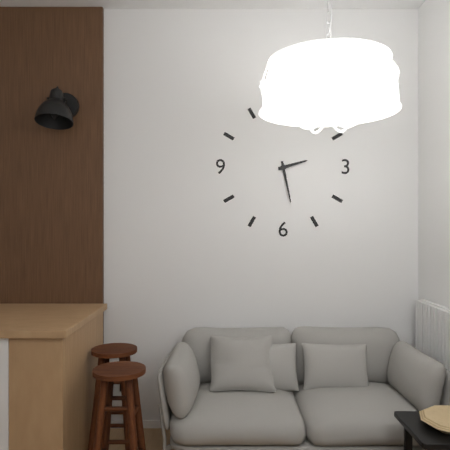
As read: h=2 m=28
